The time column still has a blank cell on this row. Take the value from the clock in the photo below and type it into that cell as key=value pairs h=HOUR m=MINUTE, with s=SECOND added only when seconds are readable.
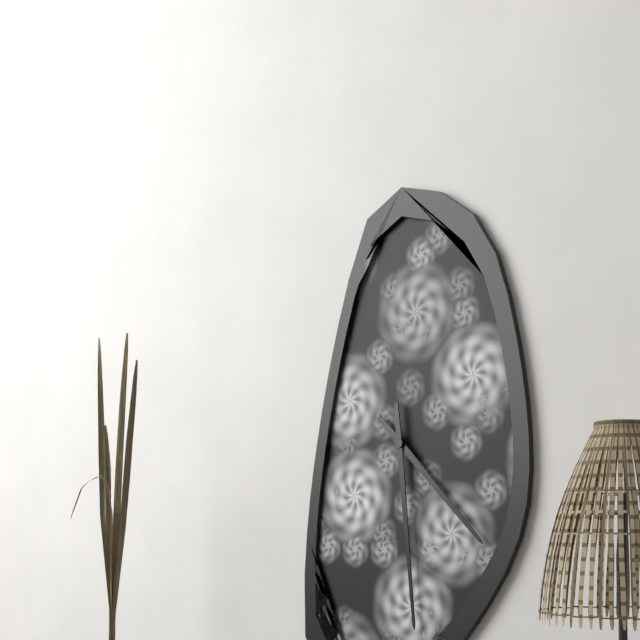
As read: h=4 m=29
